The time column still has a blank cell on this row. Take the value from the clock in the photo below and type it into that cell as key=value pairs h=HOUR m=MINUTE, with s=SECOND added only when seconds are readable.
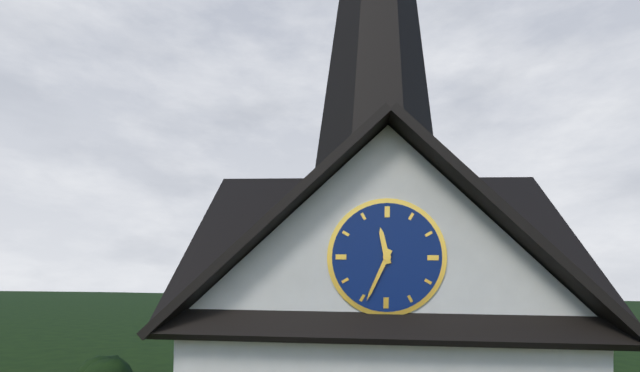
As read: h=11 m=34
